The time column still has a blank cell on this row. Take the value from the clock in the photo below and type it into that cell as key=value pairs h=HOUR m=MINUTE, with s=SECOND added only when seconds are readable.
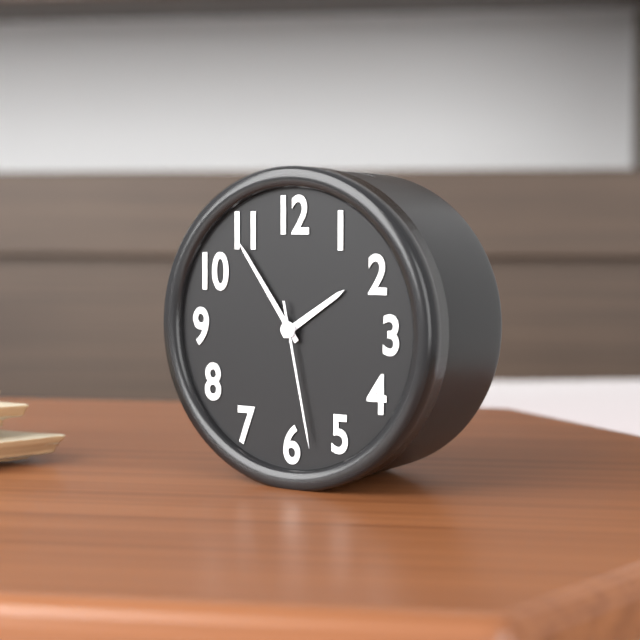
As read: h=1 m=54 s=28
